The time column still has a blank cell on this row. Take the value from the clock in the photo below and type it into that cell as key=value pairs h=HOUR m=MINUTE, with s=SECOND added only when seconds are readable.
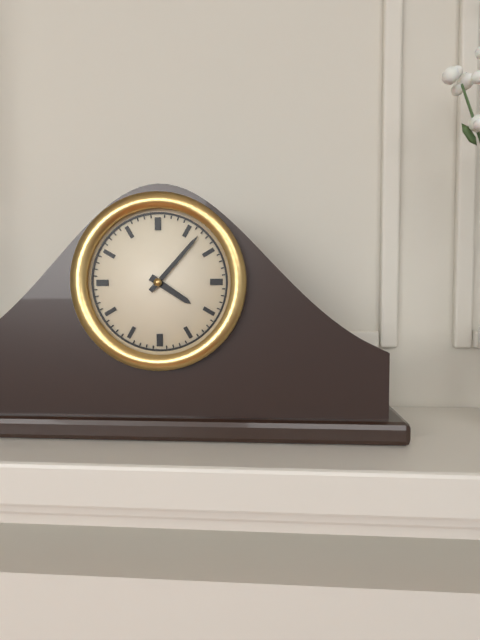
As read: h=4 m=7
